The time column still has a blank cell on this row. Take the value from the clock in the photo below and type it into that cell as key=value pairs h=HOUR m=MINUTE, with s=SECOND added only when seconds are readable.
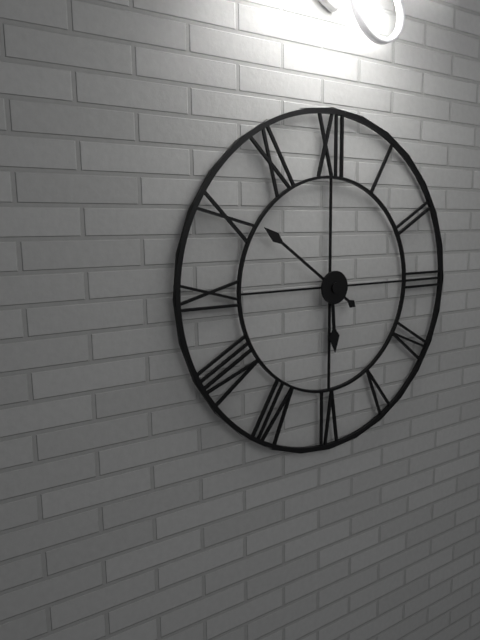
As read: h=5 m=51
